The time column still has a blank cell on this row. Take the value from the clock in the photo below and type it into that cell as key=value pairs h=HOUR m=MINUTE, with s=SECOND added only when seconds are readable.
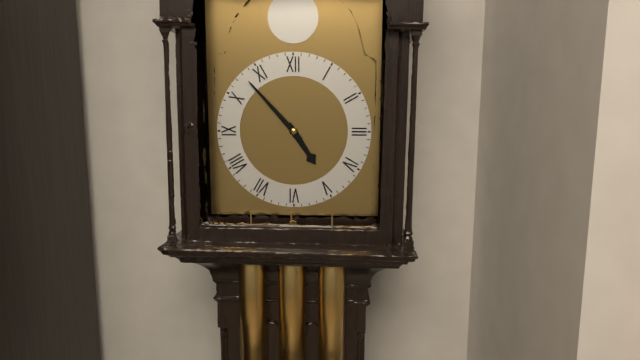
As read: h=4 m=53
